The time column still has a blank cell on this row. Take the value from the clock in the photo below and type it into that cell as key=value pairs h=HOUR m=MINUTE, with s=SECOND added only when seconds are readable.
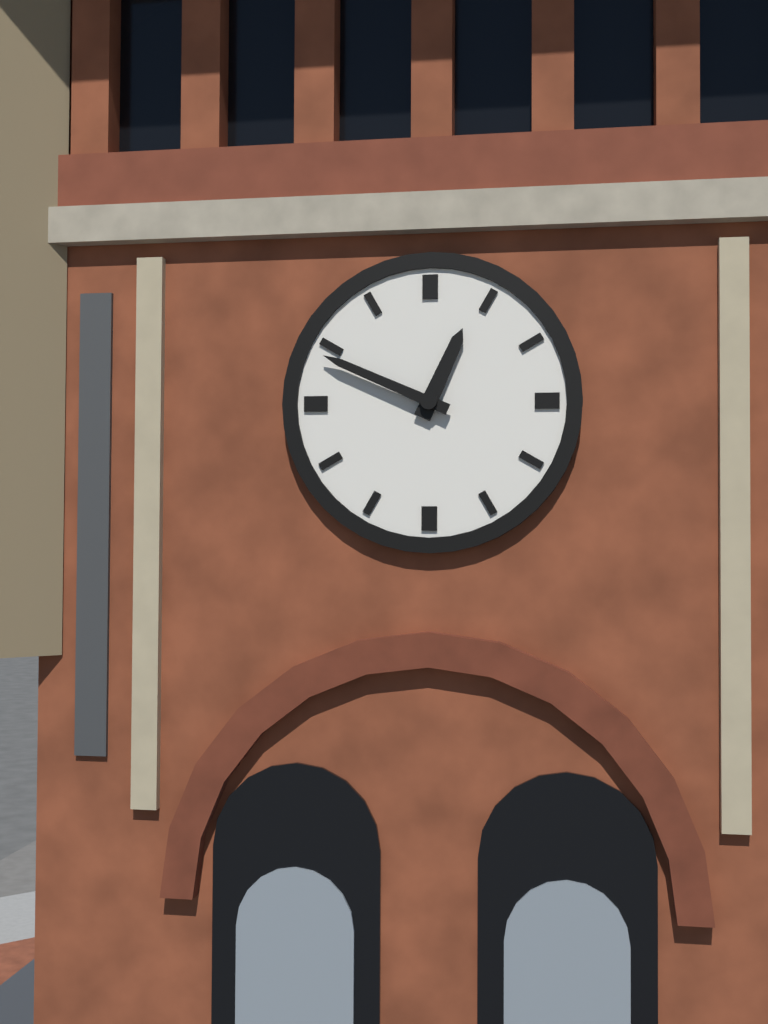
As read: h=12 m=49
